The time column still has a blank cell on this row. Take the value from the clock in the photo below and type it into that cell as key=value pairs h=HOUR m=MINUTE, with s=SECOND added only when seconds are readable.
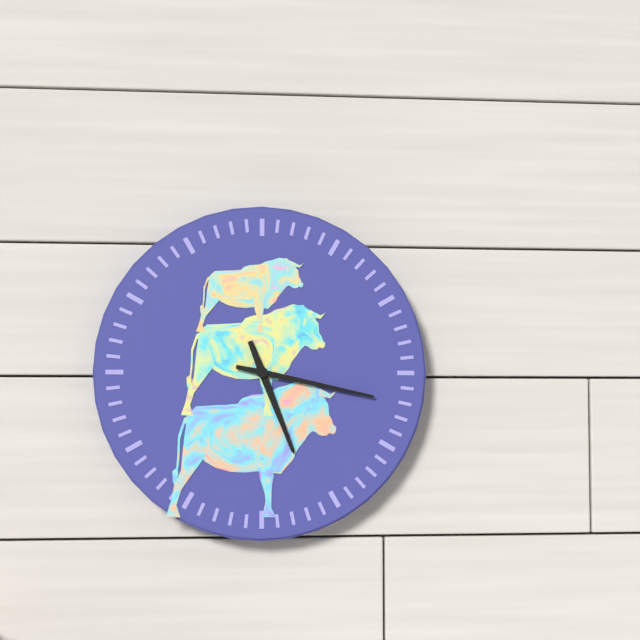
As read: h=5 m=17
